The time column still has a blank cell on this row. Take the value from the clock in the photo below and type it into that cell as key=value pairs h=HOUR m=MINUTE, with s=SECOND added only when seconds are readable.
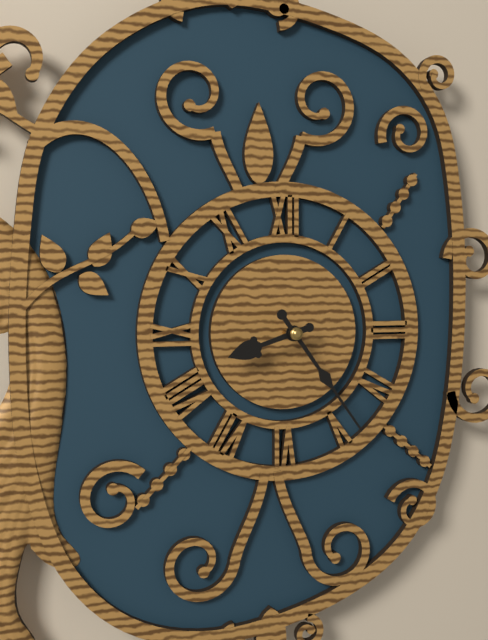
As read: h=8 m=24
